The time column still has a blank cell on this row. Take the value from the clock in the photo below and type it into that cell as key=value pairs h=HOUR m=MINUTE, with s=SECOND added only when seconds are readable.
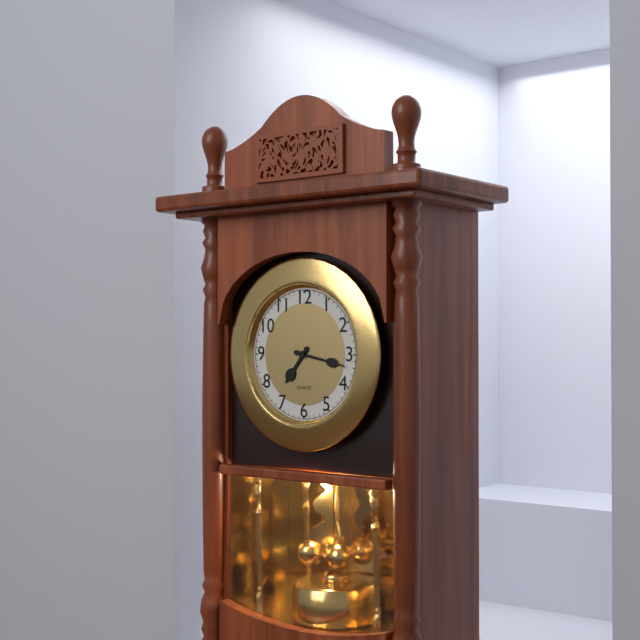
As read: h=7 m=17
